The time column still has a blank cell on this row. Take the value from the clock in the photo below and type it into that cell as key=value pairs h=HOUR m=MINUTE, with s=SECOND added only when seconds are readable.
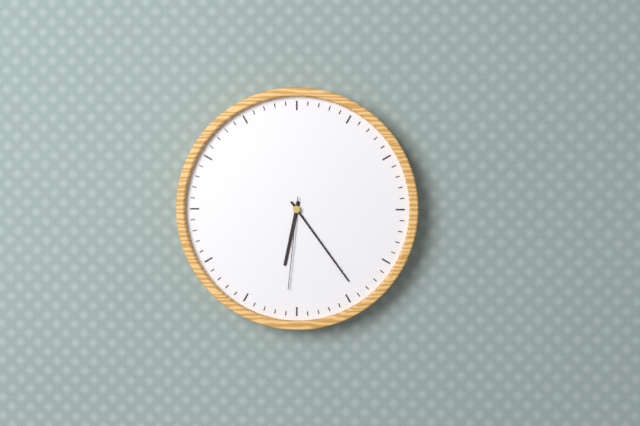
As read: h=6 m=24 s=31
